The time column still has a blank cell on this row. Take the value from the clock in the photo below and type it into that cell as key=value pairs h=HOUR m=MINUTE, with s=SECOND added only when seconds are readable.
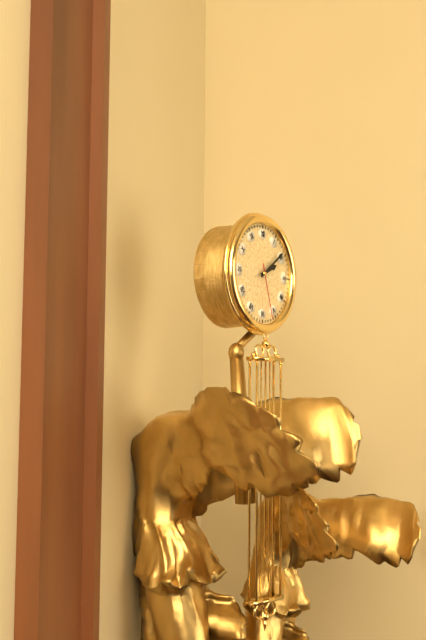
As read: h=2 m=9 s=27
